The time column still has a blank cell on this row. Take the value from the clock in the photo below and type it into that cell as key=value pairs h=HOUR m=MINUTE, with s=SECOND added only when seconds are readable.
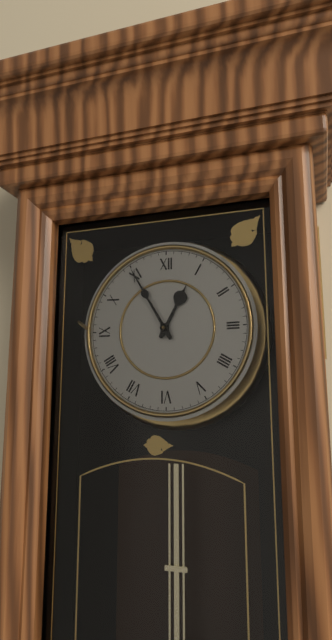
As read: h=12 m=55
